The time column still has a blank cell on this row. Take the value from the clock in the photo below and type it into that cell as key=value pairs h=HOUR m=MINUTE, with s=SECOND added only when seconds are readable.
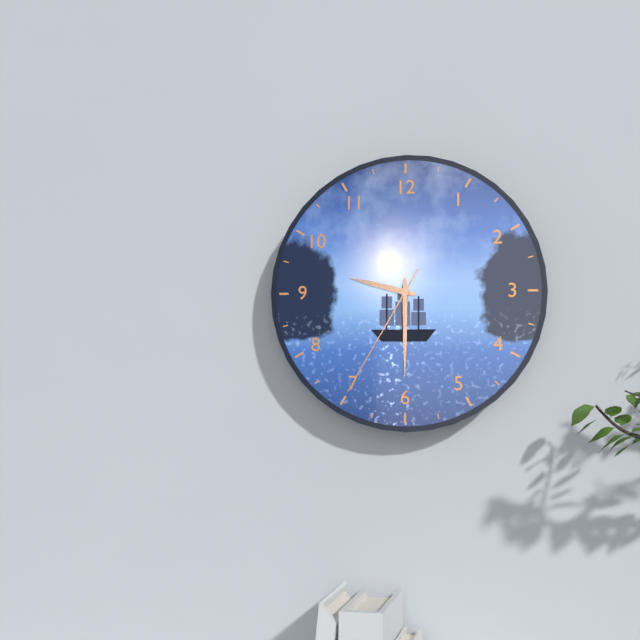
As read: h=9 m=30 s=35
